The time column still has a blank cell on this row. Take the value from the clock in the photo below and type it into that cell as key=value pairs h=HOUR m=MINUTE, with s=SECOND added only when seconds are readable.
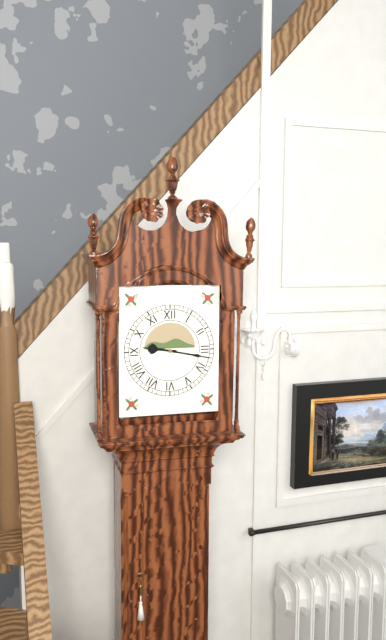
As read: h=9 m=17
